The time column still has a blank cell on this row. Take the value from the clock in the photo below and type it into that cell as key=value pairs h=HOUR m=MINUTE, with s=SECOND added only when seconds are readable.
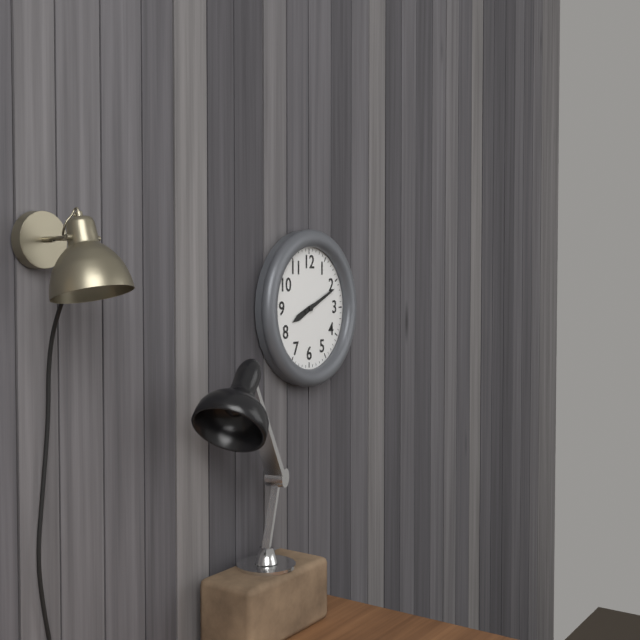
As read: h=8 m=11
